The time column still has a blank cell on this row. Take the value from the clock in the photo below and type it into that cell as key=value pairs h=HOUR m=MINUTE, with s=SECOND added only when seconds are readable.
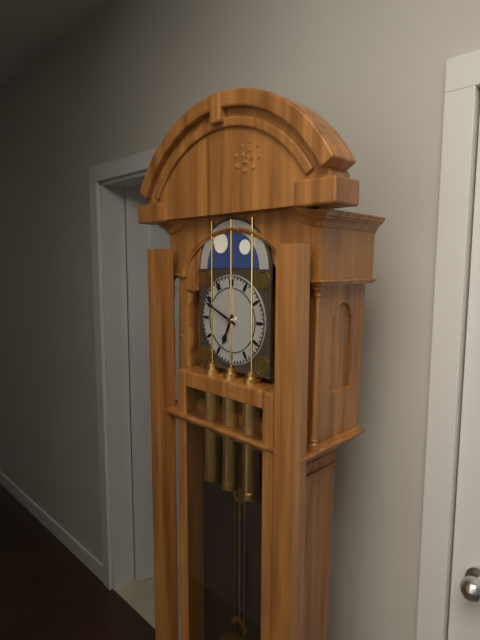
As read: h=6 m=49
